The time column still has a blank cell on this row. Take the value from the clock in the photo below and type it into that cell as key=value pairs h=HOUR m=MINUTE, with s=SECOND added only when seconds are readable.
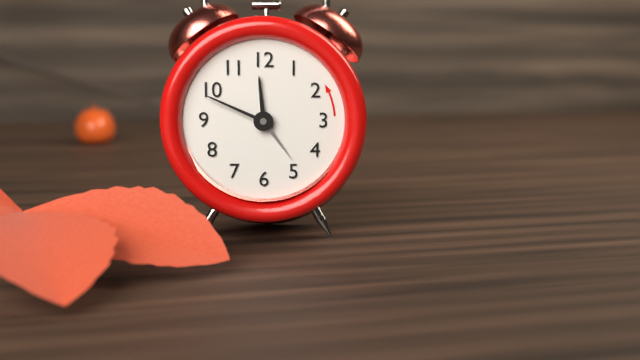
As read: h=11 m=49 s=24
